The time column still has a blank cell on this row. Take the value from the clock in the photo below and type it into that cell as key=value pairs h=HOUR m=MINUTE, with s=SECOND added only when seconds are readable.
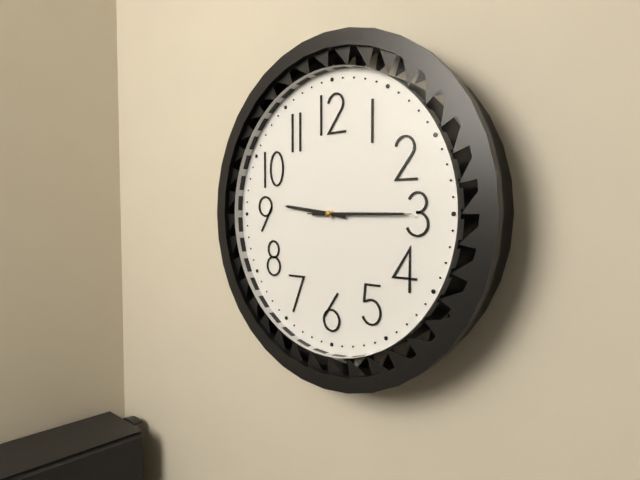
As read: h=9 m=15 s=15
